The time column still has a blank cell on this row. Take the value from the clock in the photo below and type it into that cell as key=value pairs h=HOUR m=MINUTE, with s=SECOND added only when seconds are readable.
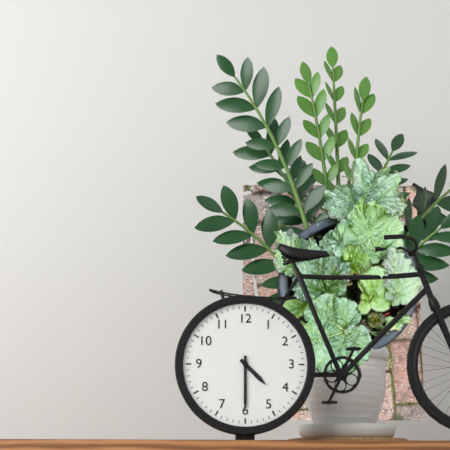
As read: h=4 m=30
